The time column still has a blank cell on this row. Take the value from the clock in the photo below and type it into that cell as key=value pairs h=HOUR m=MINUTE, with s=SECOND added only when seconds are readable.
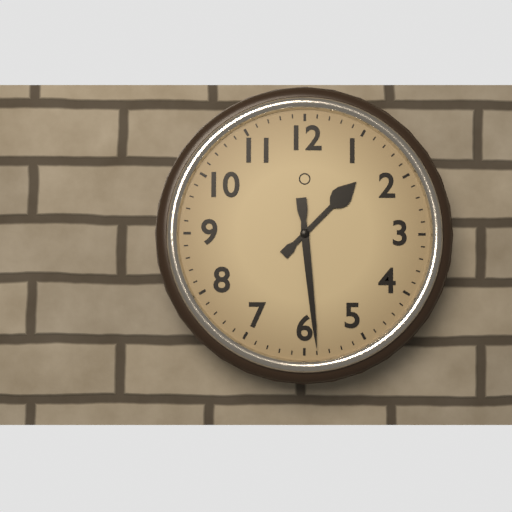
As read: h=1 m=29
